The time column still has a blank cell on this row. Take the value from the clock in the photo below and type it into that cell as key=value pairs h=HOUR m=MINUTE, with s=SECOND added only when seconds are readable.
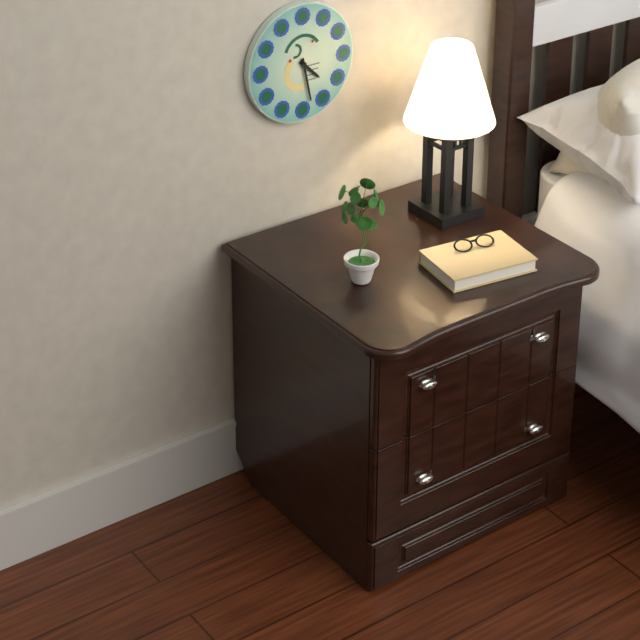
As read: h=4 m=28
